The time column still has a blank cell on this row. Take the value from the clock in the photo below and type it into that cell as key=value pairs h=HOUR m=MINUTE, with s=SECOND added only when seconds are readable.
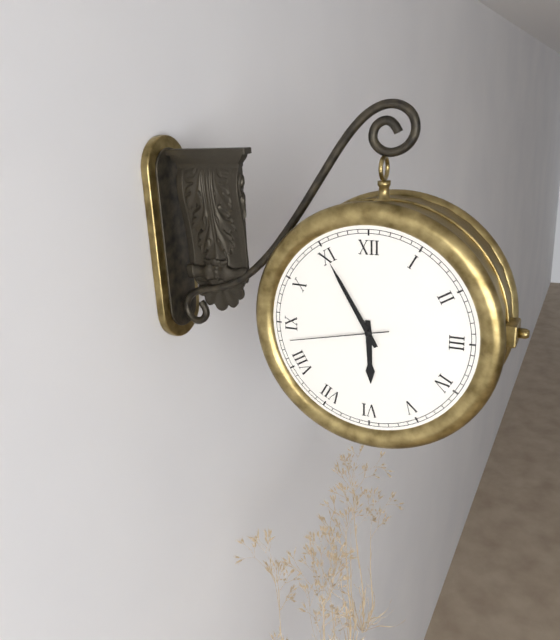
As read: h=5 m=55 s=43
